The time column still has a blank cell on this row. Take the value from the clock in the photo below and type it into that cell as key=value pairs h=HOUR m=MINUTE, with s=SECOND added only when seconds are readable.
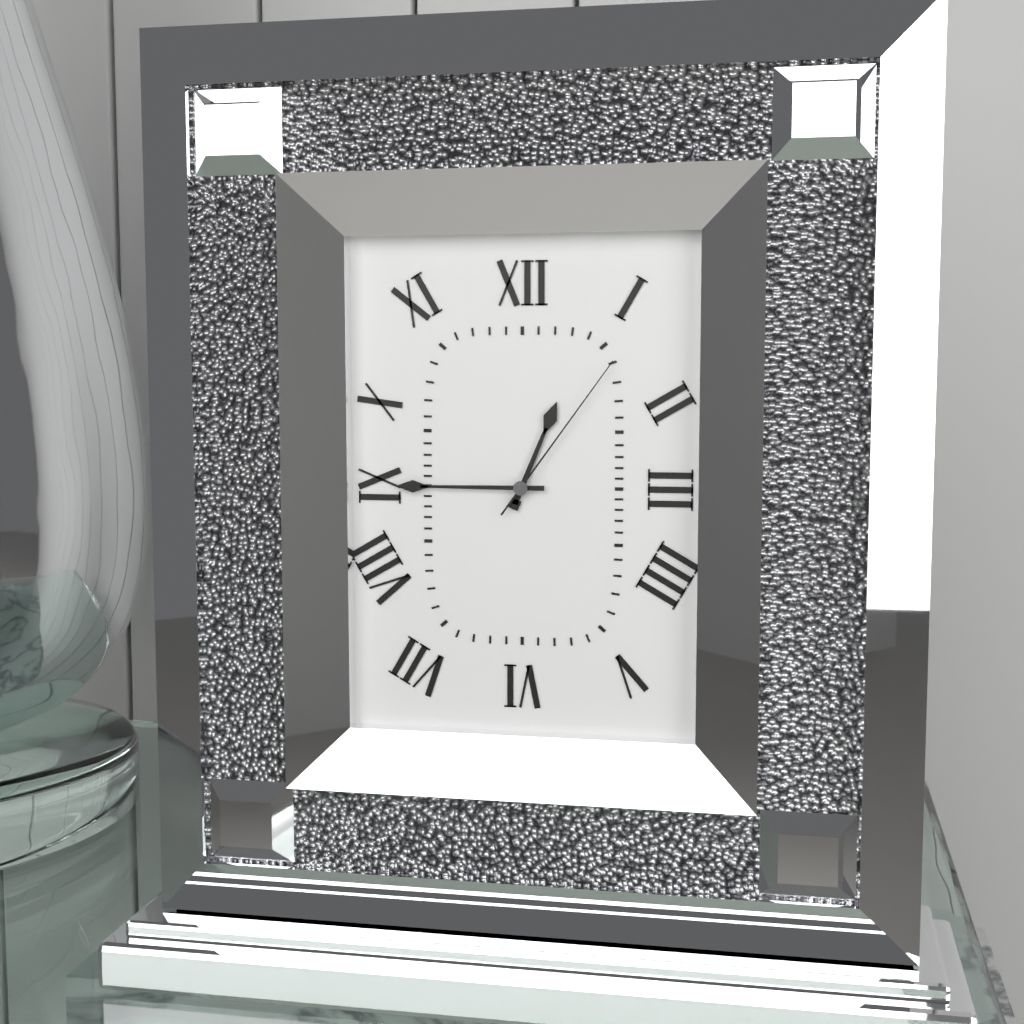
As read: h=12 m=45 s=6
